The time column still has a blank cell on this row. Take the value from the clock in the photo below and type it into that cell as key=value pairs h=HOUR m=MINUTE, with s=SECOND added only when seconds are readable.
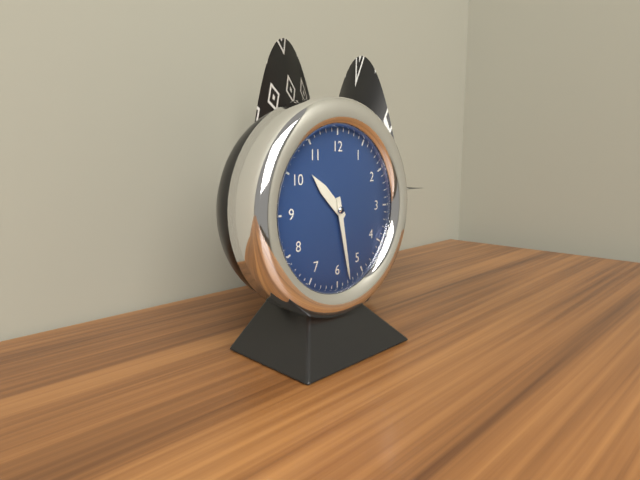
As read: h=10 m=28
